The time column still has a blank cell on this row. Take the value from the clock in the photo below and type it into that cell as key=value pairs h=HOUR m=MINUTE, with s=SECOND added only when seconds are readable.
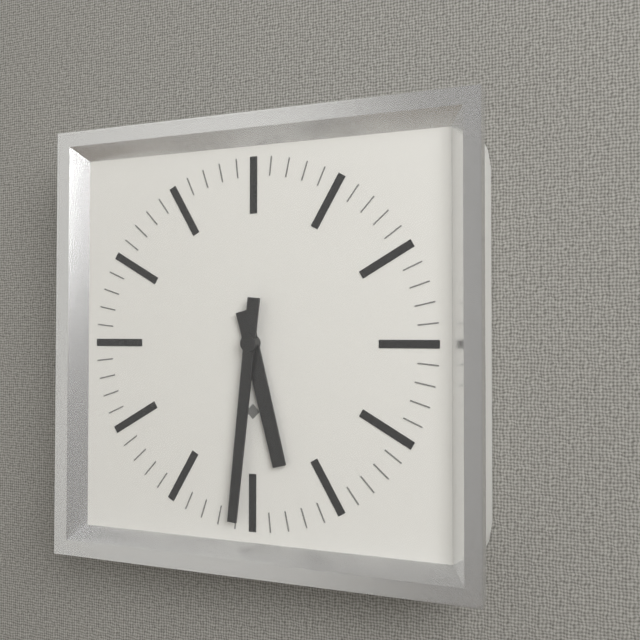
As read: h=5 m=31
